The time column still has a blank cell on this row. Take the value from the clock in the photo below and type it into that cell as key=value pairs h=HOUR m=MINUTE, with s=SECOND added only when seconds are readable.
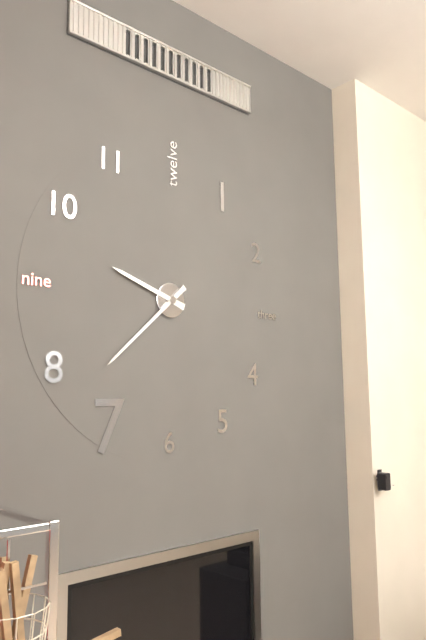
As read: h=9 m=38
